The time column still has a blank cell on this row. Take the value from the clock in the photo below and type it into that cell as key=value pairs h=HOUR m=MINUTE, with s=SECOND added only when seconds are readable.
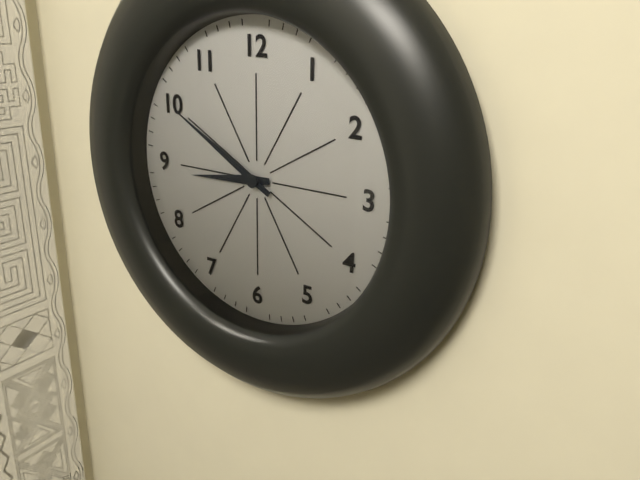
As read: h=8 m=50
